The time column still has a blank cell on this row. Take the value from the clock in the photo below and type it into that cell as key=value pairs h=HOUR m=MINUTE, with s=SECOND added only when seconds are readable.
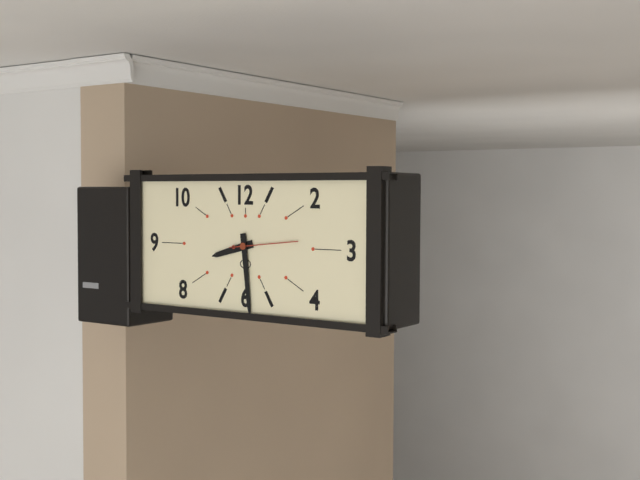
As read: h=8 m=29 s=14
